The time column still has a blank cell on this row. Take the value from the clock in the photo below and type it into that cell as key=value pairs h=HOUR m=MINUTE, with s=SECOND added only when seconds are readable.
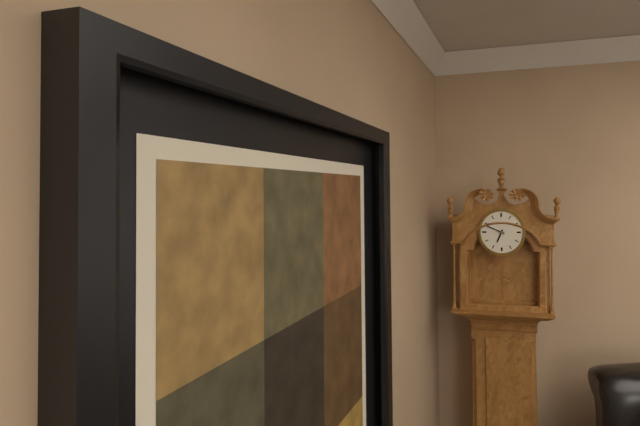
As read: h=6 m=49
